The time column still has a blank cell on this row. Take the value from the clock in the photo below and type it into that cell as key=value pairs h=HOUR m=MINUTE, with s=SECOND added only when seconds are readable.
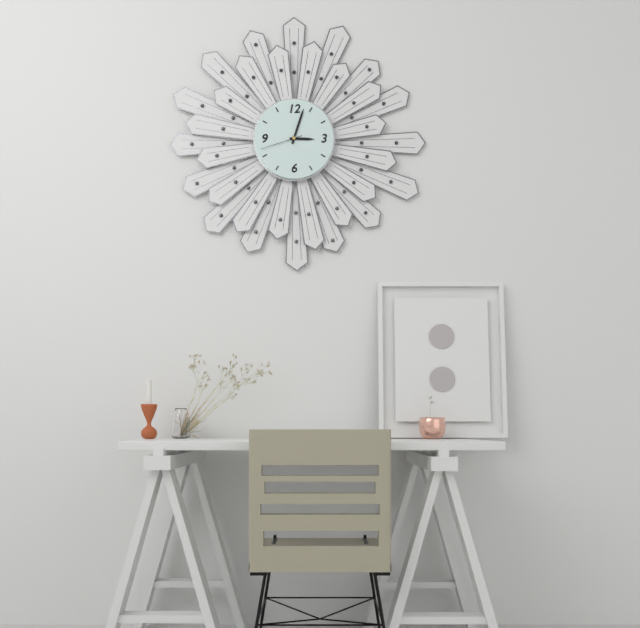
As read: h=3 m=3
